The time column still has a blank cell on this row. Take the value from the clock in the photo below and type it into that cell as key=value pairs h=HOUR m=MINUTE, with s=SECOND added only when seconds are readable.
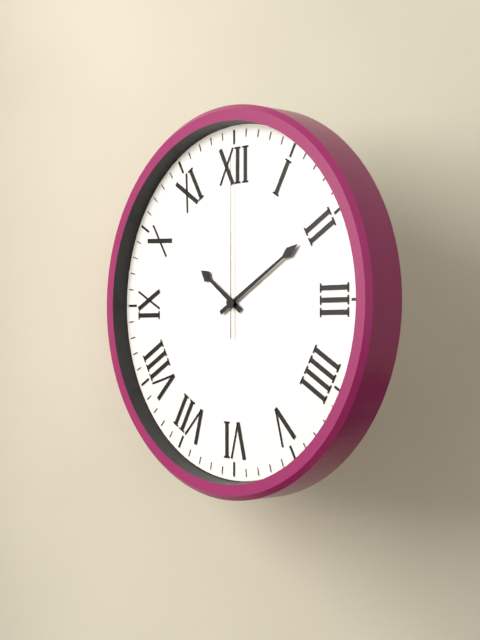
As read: h=10 m=10 s=0
